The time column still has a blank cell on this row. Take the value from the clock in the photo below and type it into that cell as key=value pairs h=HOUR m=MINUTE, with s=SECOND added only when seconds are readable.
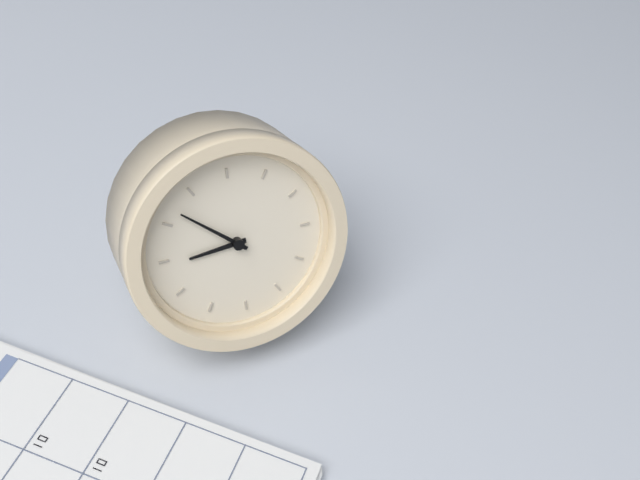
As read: h=8 m=52
